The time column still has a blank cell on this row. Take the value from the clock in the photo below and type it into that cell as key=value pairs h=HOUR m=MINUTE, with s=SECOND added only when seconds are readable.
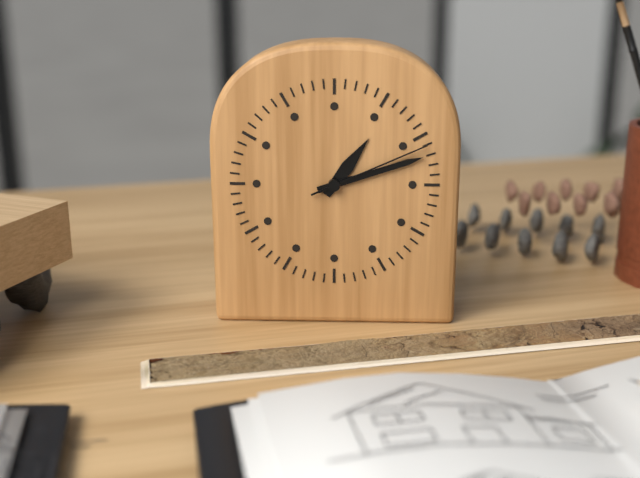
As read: h=1 m=12 s=11
